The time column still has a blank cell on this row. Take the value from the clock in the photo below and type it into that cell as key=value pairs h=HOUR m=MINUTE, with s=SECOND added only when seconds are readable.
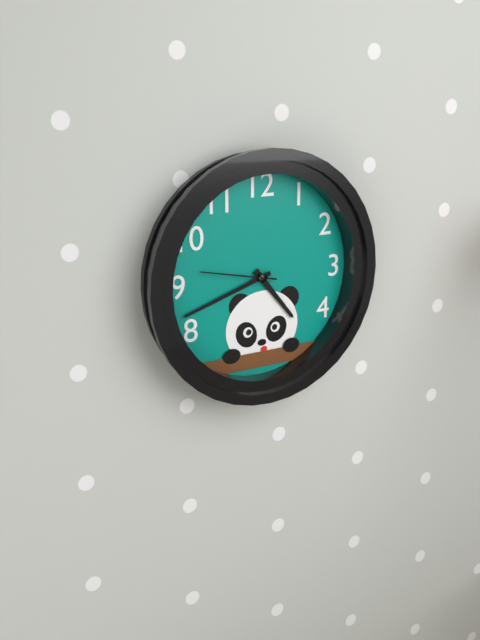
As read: h=4 m=42 s=47
